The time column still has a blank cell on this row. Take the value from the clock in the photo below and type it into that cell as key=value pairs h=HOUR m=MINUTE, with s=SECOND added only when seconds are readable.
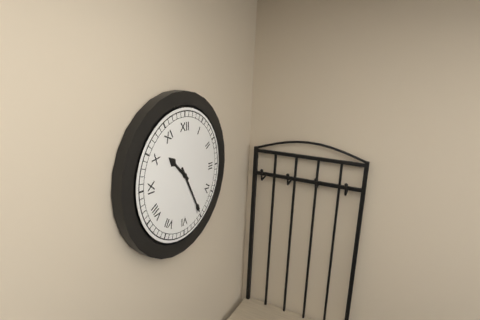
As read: h=10 m=25
